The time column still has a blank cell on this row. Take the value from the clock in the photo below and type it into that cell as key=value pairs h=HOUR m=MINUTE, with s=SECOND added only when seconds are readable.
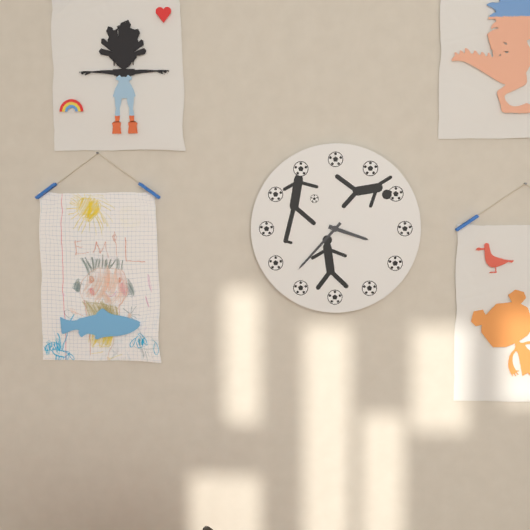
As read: h=3 m=37
